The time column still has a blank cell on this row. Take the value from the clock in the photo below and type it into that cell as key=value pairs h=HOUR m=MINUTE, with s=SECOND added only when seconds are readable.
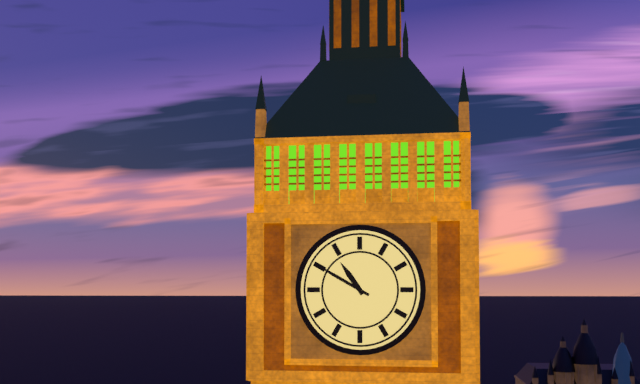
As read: h=10 m=50
